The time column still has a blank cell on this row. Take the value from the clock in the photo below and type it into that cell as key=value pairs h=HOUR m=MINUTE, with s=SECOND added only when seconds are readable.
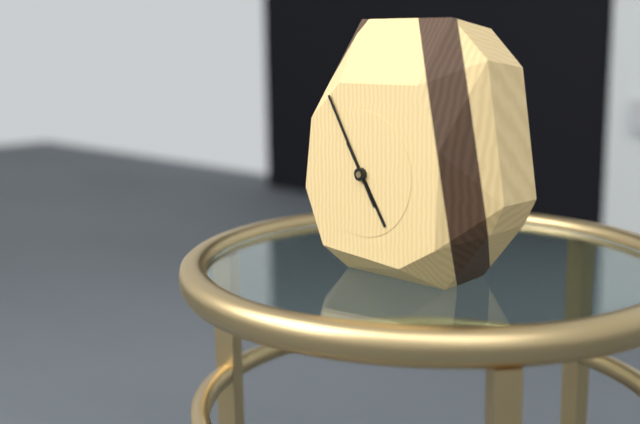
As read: h=4 m=55
